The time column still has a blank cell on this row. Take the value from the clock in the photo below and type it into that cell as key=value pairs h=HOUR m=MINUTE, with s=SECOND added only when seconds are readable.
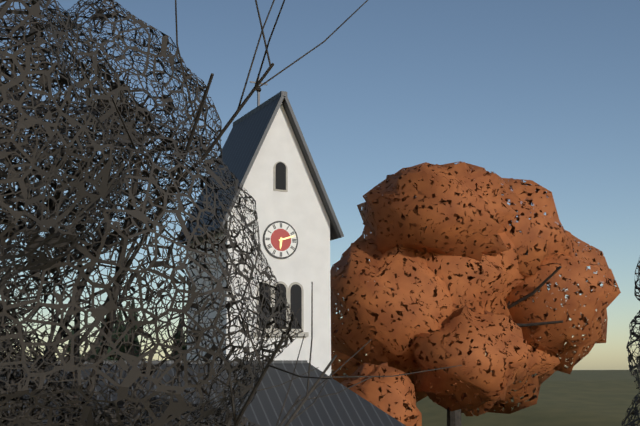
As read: h=6 m=12
